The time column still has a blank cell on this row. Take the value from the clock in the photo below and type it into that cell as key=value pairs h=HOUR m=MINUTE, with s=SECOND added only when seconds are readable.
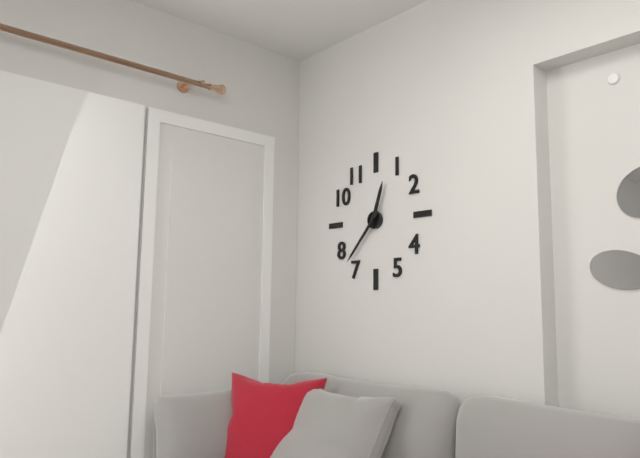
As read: h=12 m=37
